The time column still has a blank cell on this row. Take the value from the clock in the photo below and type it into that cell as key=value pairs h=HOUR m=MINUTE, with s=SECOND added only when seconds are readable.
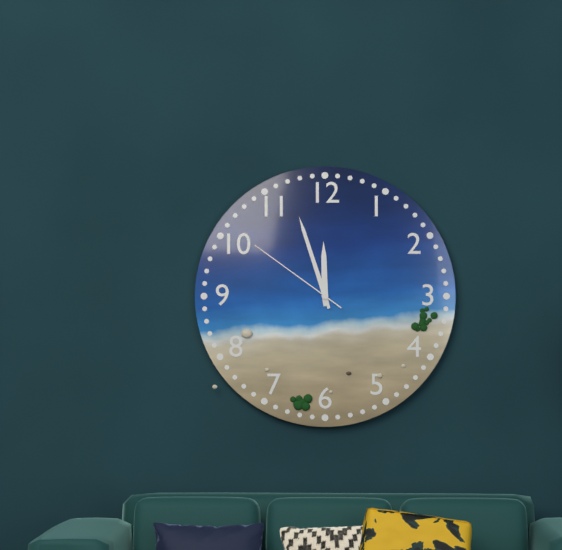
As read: h=11 m=57 s=51
